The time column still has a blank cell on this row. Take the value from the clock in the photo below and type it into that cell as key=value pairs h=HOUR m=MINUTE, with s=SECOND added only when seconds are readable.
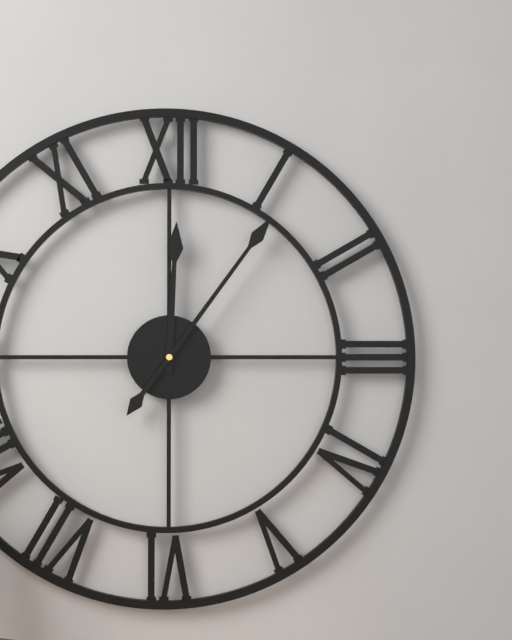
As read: h=12 m=6
